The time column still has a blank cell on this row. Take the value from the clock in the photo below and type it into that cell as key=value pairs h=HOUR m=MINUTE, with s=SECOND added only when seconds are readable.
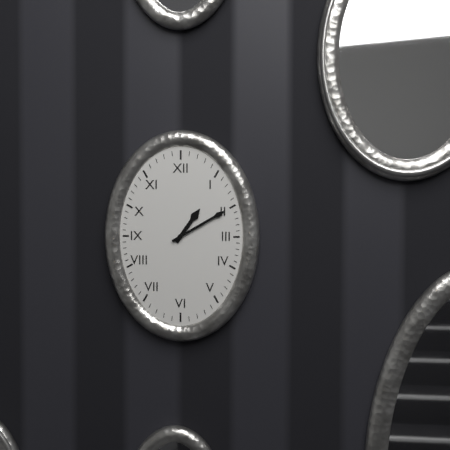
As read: h=1 m=10
